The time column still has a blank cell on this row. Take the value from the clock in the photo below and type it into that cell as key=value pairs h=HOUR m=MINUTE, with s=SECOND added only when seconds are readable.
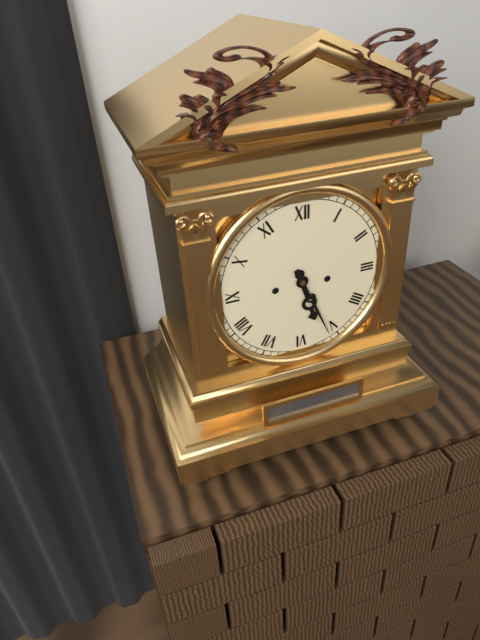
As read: h=5 m=26
